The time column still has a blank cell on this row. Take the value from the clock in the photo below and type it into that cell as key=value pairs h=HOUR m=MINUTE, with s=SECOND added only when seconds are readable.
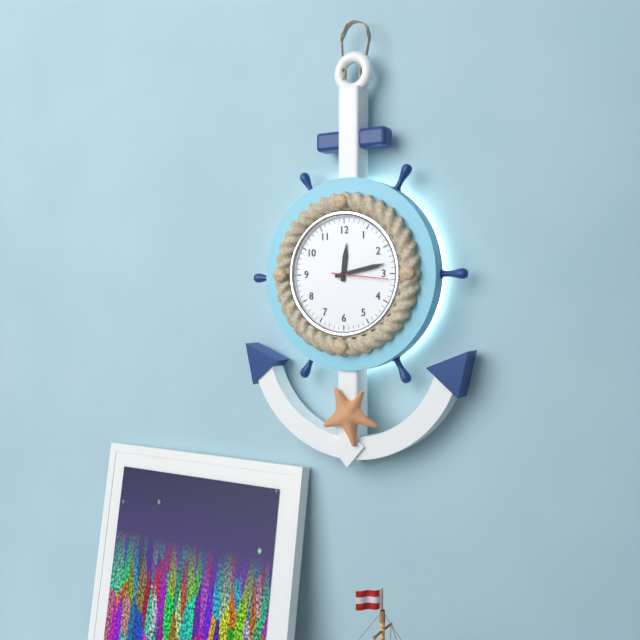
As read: h=12 m=13 s=16
